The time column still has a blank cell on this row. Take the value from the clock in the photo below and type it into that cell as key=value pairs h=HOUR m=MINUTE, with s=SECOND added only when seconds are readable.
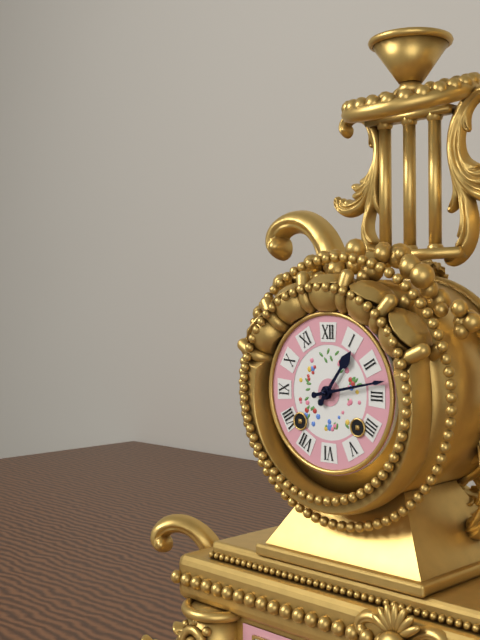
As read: h=1 m=13
